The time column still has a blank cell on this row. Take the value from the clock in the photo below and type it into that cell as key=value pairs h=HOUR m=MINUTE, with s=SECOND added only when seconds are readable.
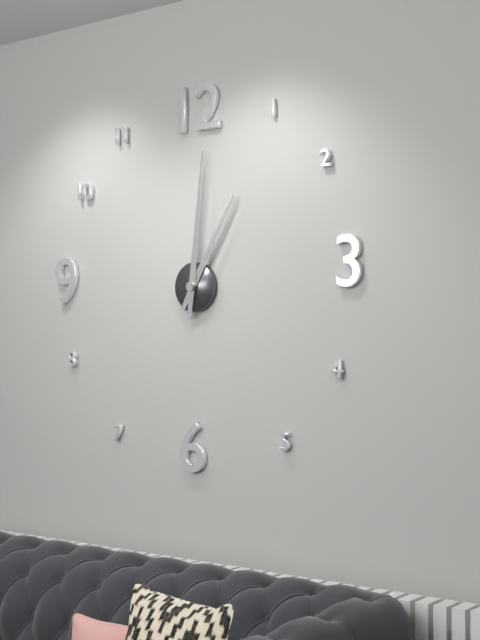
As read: h=1 m=1
